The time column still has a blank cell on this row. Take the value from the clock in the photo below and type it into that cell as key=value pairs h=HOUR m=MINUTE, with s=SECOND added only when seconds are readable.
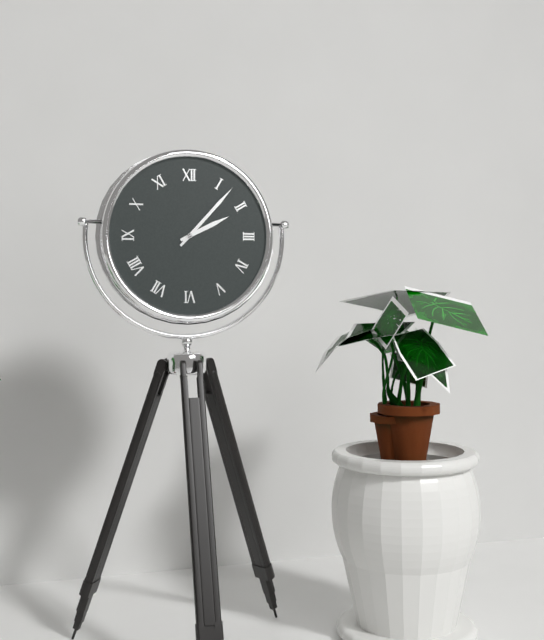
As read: h=2 m=7
